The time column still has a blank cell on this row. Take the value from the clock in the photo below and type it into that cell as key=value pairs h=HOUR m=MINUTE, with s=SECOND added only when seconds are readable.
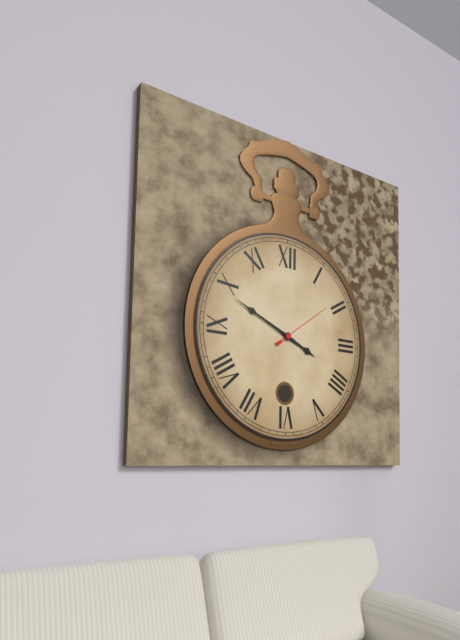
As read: h=3 m=49 s=9
